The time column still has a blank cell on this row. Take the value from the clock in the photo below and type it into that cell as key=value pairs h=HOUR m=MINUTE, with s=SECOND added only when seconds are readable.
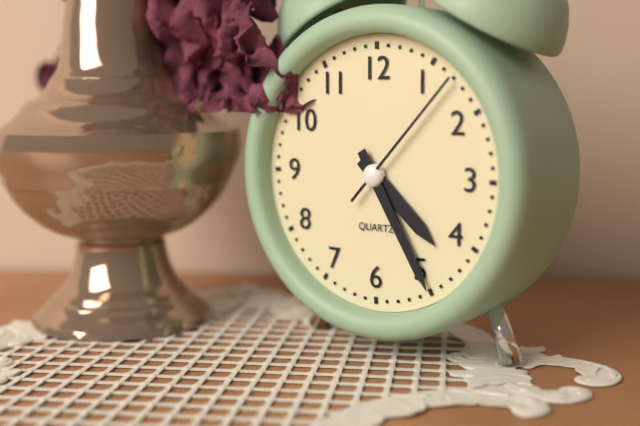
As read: h=4 m=25 s=7
